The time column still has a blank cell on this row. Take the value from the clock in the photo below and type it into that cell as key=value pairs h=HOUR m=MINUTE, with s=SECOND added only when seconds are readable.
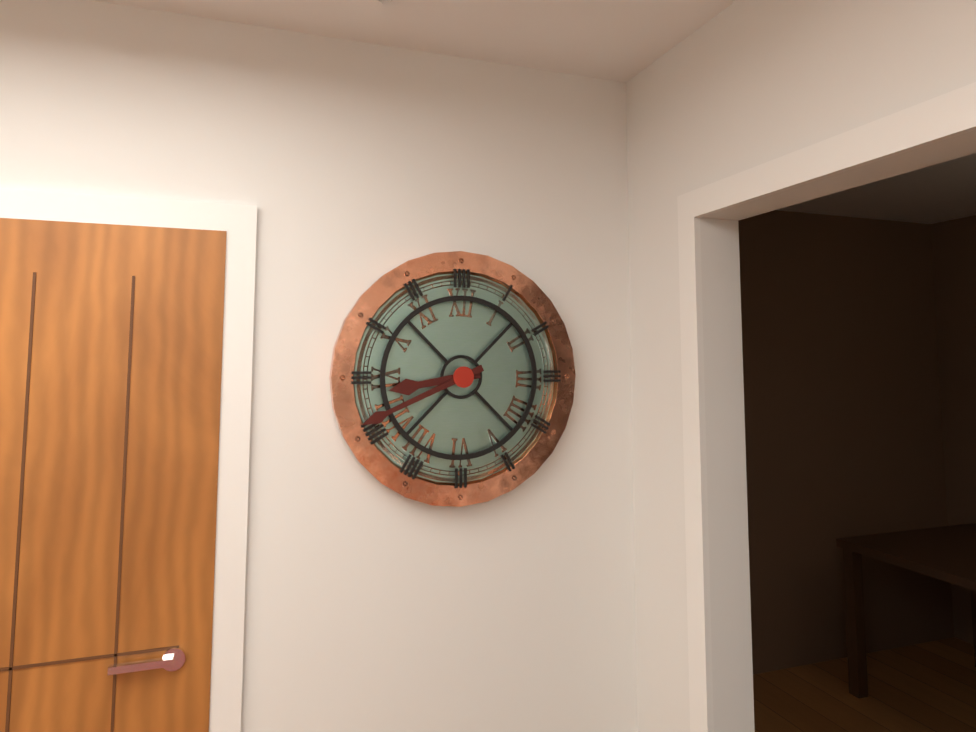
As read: h=8 m=41
